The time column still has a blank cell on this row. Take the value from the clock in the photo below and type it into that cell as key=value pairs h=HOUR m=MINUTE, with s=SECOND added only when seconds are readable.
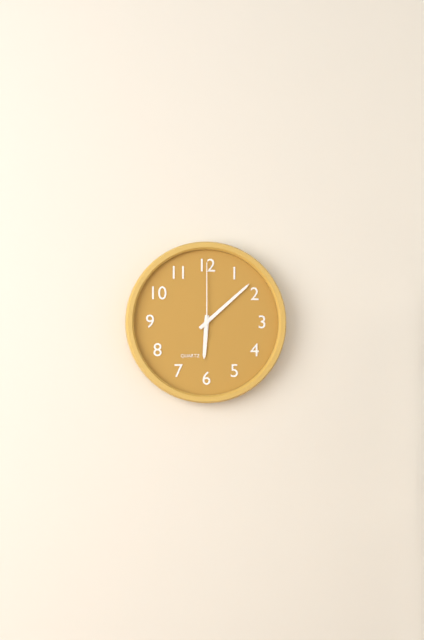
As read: h=6 m=8 s=0
